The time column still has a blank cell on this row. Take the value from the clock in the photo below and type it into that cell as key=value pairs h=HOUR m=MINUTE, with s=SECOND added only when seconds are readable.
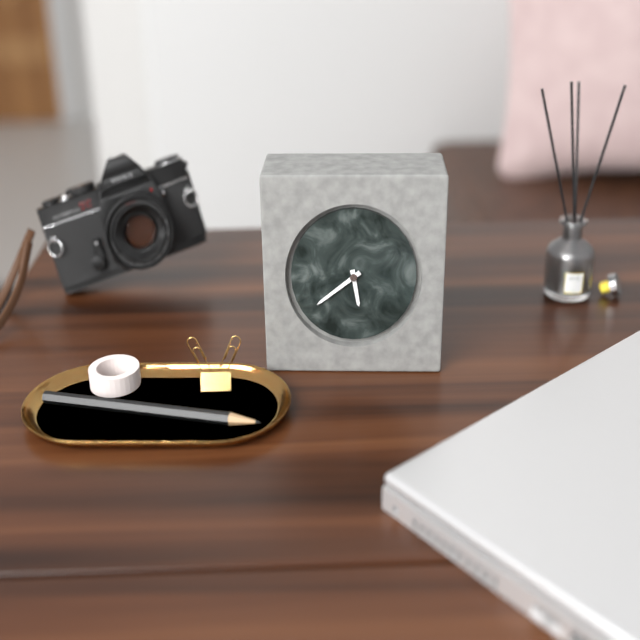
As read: h=5 m=39
